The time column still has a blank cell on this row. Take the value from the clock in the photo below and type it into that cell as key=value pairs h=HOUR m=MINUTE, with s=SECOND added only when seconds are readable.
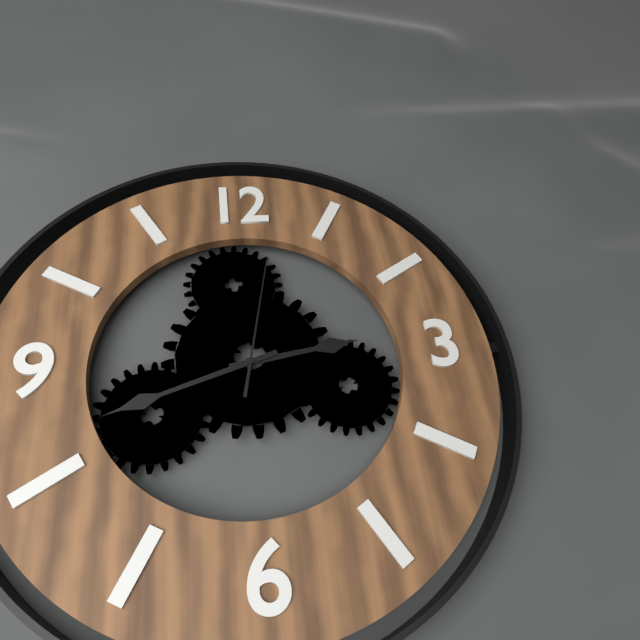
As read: h=2 m=42 s=2
